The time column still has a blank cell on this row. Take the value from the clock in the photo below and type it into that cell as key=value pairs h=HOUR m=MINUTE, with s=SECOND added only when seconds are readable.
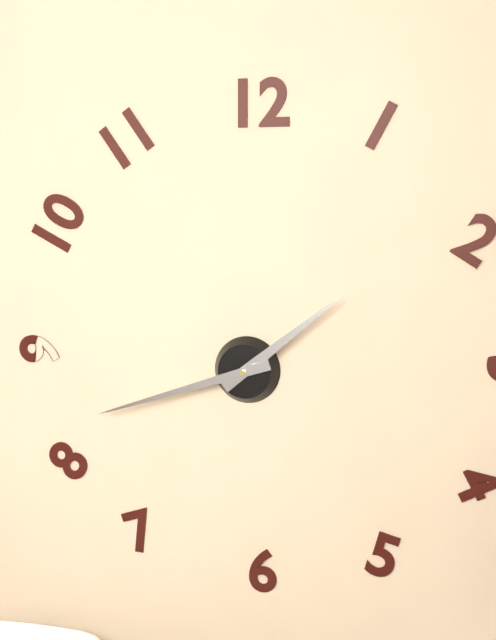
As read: h=1 m=42
